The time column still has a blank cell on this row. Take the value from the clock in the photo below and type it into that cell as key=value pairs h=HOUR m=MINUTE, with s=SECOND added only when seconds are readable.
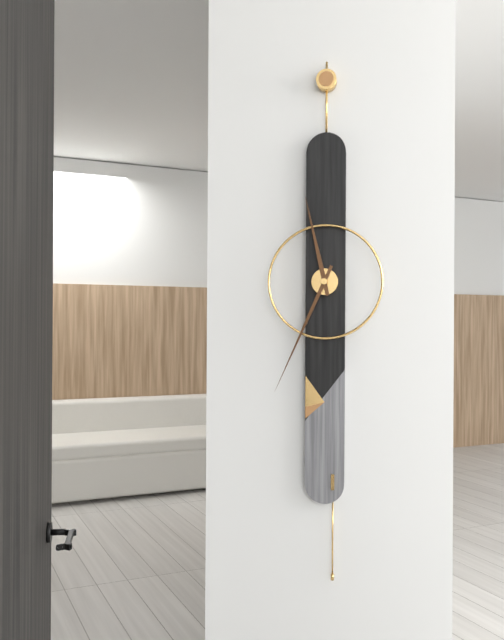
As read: h=11 m=34
